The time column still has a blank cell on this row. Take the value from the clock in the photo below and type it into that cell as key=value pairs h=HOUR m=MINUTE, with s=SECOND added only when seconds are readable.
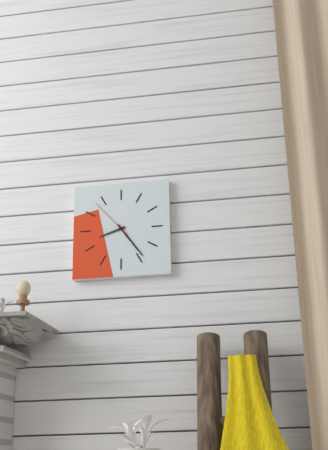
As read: h=8 m=24
